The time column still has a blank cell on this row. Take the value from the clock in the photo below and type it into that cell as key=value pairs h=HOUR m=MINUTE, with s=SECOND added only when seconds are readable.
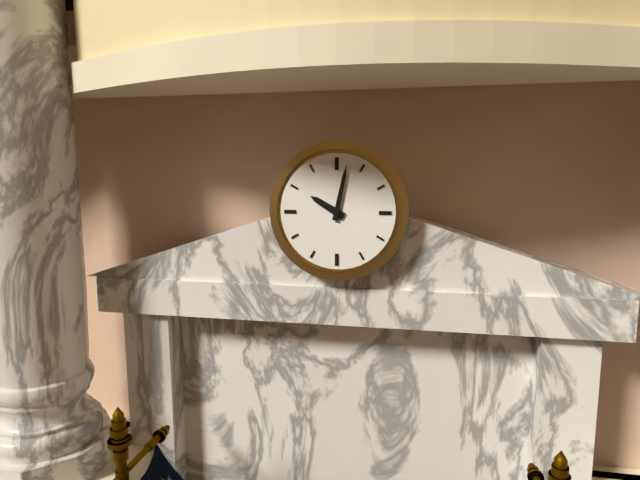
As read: h=10 m=2
